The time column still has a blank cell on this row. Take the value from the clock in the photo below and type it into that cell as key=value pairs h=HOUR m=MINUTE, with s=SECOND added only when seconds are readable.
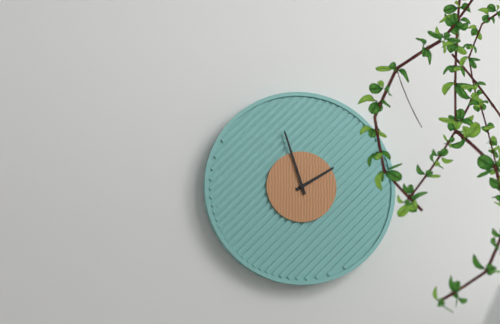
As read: h=1 m=57
